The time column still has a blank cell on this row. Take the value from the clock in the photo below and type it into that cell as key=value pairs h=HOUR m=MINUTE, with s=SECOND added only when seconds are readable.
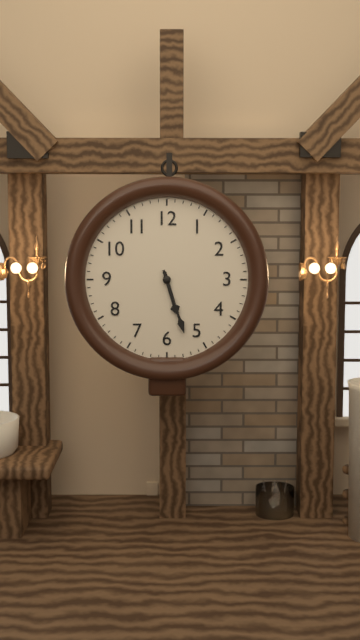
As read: h=5 m=27
